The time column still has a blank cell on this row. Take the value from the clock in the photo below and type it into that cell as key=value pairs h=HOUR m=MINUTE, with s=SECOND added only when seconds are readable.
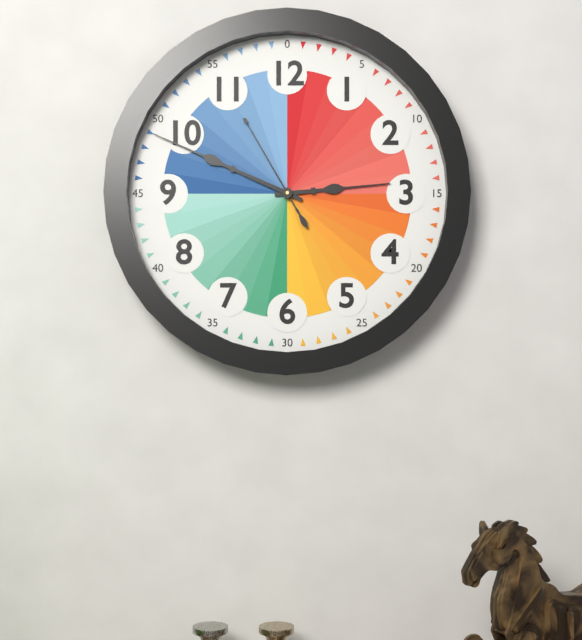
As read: h=2 m=49 s=55
